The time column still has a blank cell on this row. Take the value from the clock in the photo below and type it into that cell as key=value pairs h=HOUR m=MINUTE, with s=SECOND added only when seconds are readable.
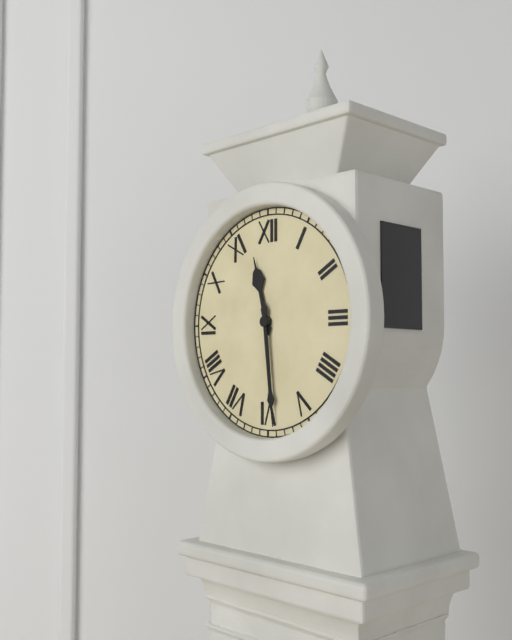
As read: h=11 m=29
